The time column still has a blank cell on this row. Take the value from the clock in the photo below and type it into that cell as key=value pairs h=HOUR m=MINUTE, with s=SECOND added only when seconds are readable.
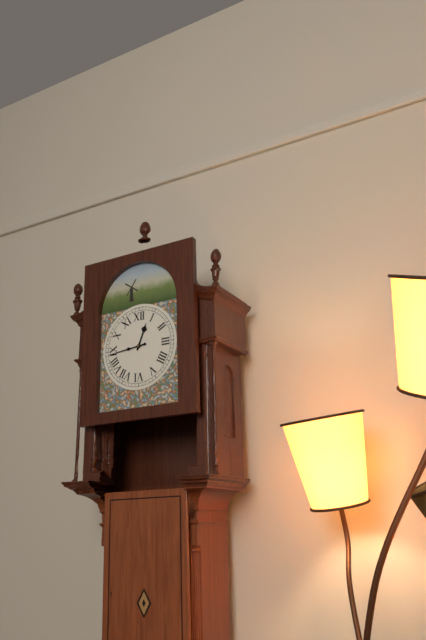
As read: h=12 m=44
